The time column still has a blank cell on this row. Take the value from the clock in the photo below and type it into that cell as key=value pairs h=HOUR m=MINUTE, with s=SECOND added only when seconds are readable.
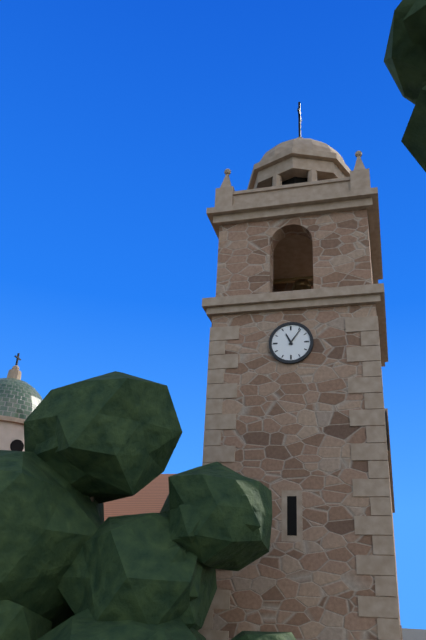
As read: h=11 m=6
